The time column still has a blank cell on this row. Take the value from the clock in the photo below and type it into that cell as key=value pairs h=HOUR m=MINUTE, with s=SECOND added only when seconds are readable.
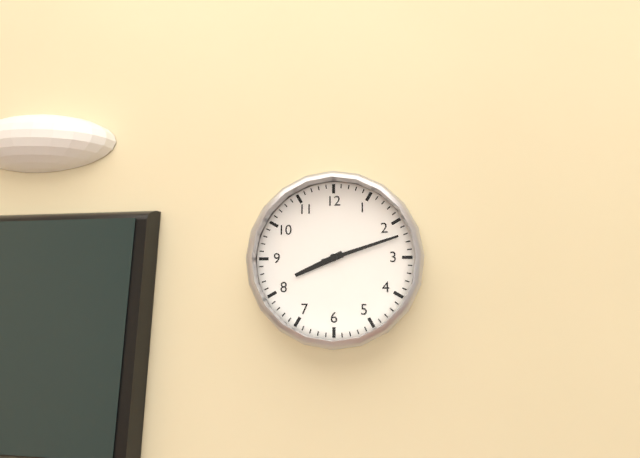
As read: h=8 m=12
